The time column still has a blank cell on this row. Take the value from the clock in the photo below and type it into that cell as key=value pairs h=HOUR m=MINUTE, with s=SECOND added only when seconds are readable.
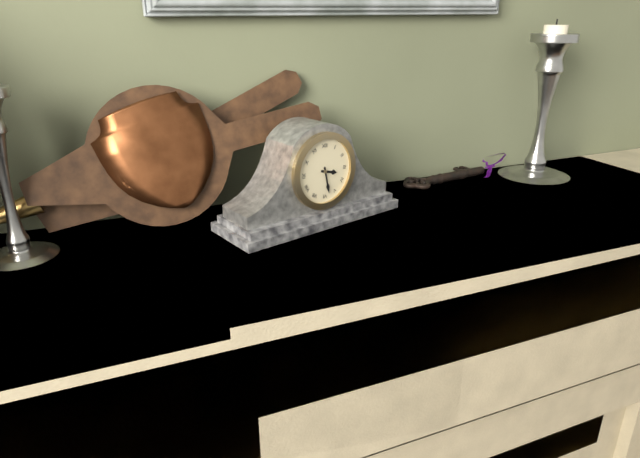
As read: h=3 m=28
